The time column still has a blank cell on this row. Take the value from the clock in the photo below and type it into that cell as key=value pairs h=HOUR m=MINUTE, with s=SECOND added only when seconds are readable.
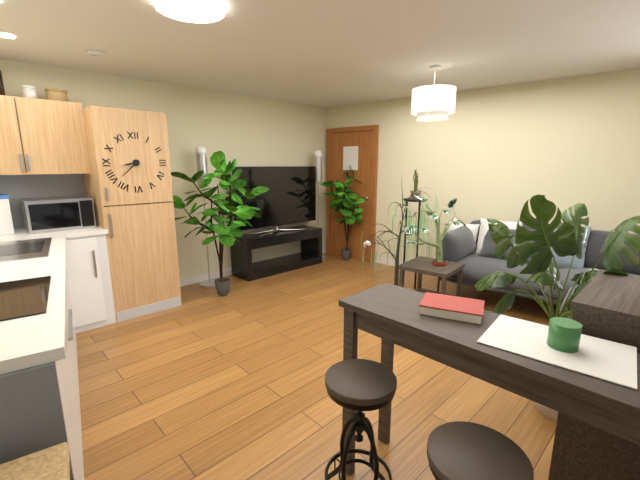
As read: h=8 m=38
